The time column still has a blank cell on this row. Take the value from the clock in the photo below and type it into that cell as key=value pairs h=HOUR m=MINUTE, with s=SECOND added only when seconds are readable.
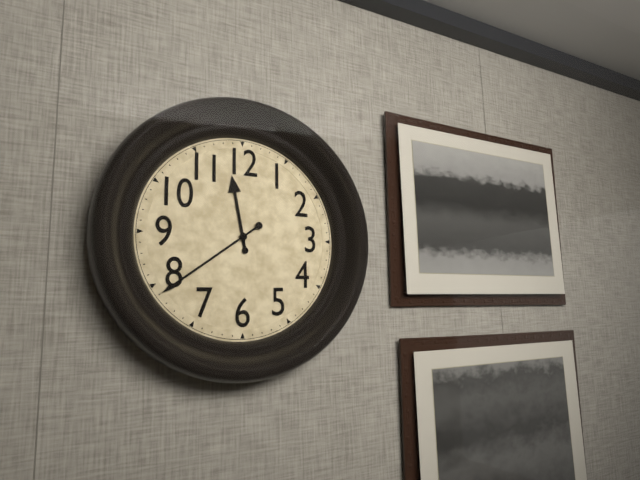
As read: h=11 m=39
